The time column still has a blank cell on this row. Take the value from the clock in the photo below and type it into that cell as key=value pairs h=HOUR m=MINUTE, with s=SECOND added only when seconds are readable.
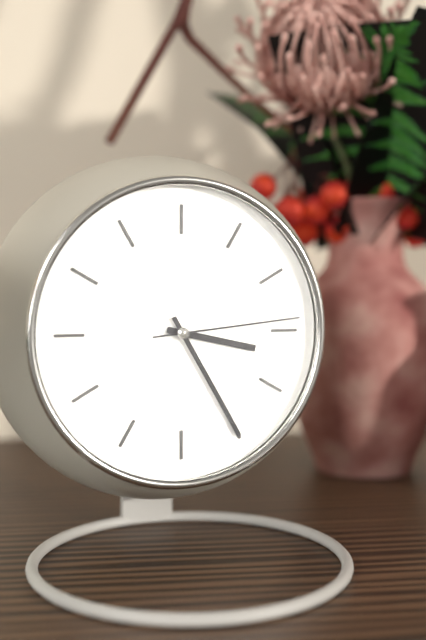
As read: h=3 m=25 s=14
